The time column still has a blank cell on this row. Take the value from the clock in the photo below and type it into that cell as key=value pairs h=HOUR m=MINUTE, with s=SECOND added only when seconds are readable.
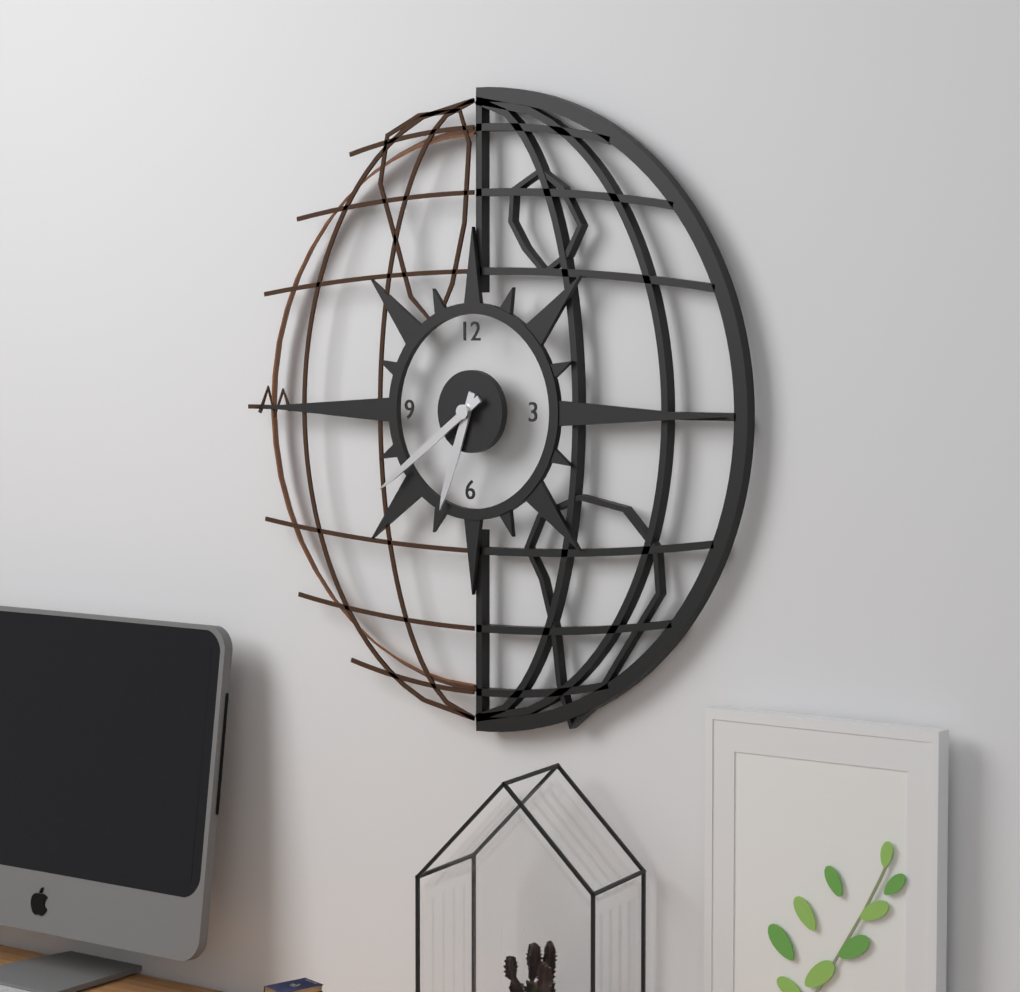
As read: h=6 m=39
